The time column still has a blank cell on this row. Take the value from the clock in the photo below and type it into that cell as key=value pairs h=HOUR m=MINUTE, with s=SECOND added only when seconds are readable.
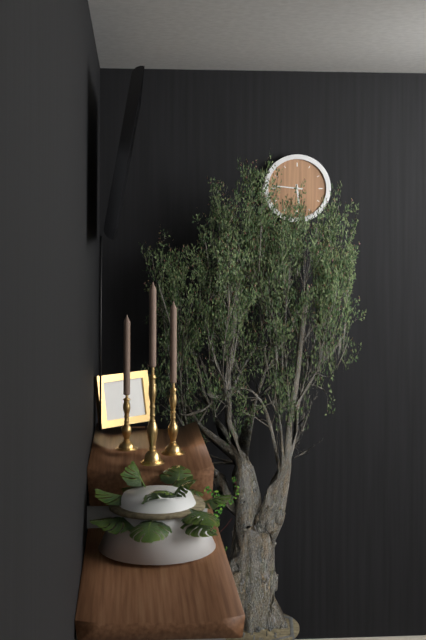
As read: h=5 m=46
